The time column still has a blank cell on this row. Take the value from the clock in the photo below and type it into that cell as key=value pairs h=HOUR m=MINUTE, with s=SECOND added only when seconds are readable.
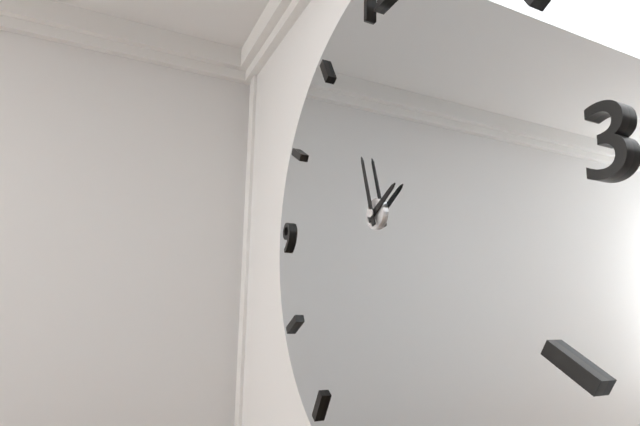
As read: h=1 m=57
